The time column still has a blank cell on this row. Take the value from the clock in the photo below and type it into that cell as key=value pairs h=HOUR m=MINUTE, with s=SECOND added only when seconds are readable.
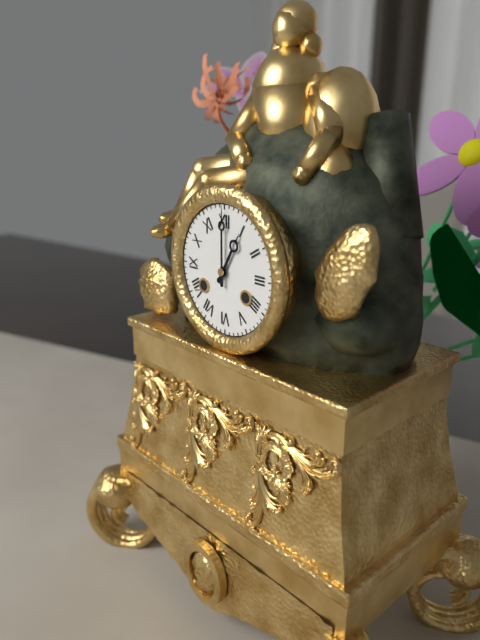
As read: h=1 m=0
